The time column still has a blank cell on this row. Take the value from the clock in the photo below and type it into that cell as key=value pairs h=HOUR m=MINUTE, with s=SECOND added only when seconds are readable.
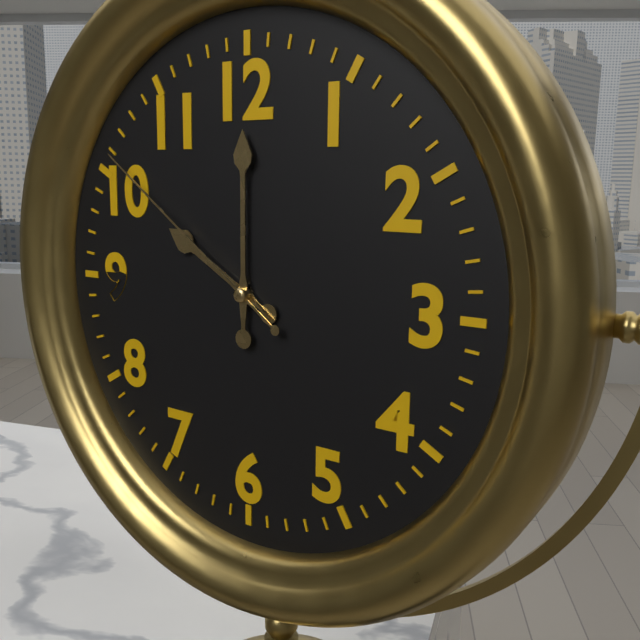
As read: h=10 m=0 s=51
